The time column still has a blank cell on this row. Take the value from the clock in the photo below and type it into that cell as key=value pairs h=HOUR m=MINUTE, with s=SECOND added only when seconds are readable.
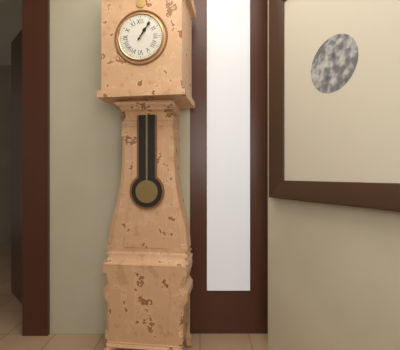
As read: h=1 m=6
